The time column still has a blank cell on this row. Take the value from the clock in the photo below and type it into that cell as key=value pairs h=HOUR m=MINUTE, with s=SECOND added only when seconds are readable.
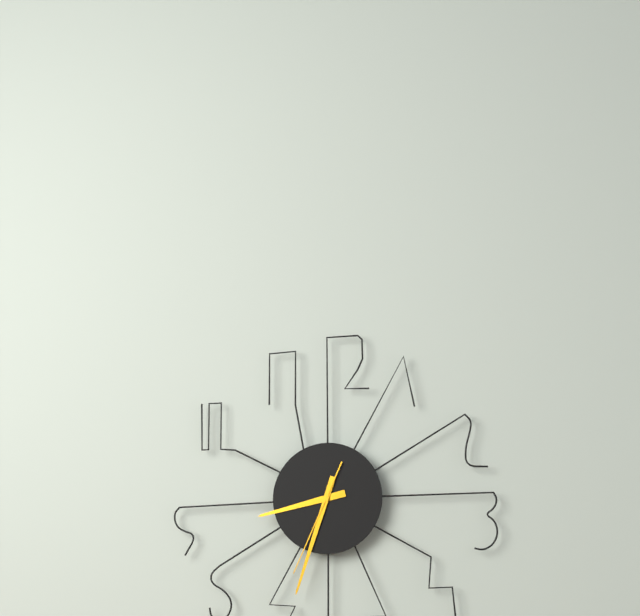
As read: h=8 m=33 s=34
